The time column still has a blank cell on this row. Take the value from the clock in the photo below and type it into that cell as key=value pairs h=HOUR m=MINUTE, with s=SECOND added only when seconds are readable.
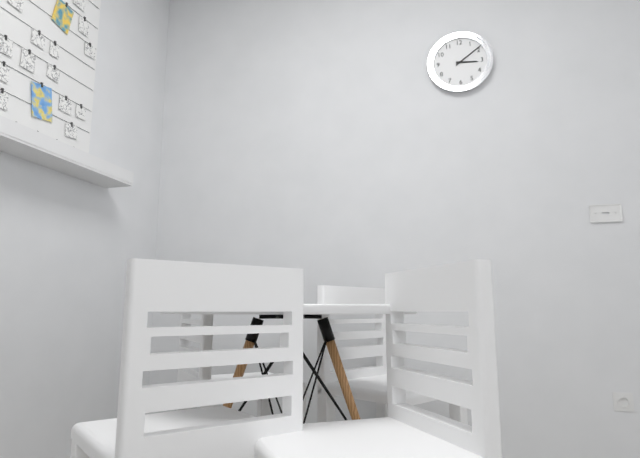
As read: h=3 m=9
